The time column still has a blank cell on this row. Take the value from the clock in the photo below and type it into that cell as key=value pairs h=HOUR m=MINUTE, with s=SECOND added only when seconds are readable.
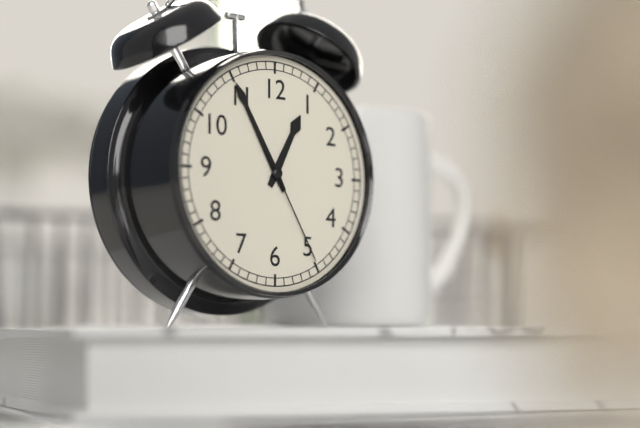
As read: h=12 m=55 s=25
